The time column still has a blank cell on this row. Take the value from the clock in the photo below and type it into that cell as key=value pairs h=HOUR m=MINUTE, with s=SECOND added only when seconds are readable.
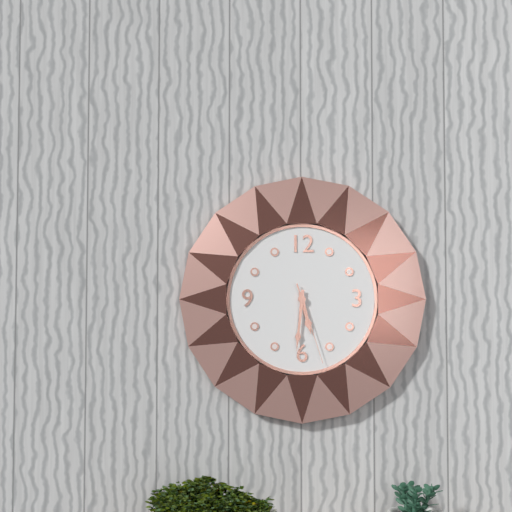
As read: h=5 m=31 s=27
